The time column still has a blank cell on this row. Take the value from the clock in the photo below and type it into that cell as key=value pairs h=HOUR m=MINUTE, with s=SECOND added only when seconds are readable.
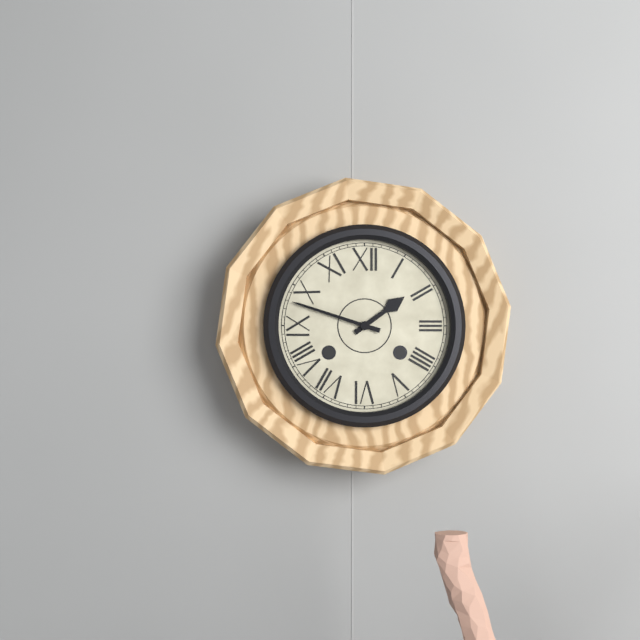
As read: h=1 m=48
